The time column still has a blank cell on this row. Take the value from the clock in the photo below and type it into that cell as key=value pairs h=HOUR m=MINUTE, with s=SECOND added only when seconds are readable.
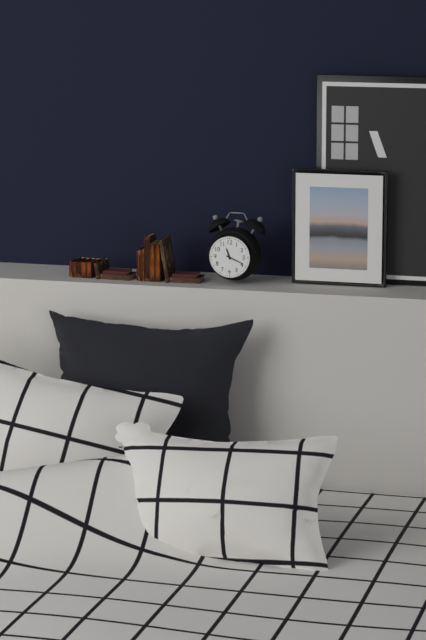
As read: h=11 m=19
